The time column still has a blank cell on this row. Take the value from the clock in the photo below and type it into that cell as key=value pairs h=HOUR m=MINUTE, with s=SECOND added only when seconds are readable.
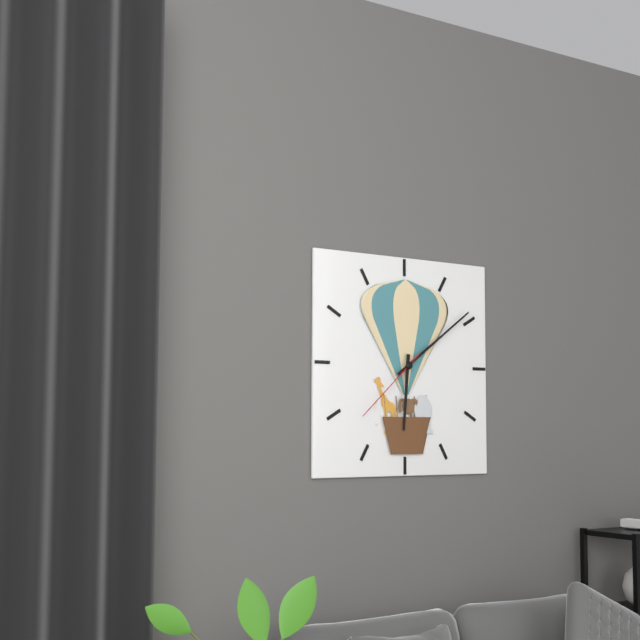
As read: h=6 m=9 s=38
